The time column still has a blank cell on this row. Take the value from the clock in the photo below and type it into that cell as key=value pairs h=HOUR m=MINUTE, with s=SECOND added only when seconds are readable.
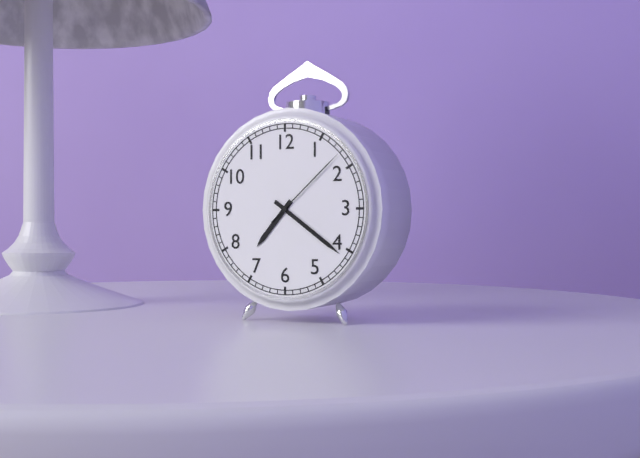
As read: h=7 m=21 s=8
